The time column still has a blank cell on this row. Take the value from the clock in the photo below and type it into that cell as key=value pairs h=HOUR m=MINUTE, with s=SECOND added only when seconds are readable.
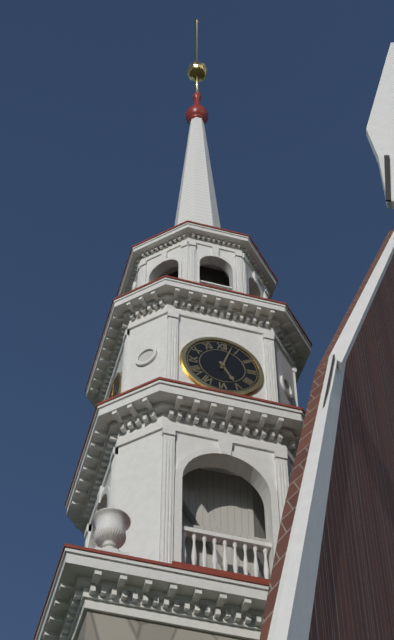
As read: h=5 m=3
